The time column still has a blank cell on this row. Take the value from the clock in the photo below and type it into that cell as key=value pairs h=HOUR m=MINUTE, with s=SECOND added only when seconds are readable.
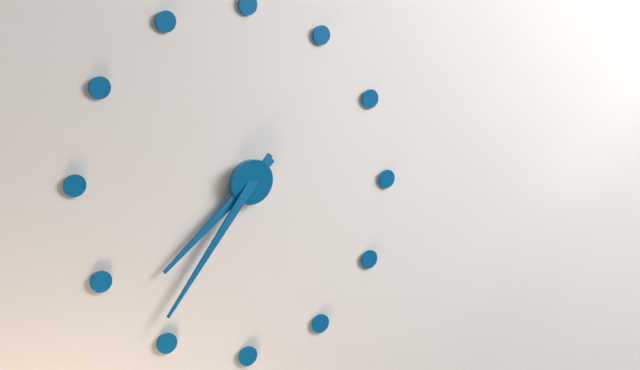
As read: h=7 m=36
